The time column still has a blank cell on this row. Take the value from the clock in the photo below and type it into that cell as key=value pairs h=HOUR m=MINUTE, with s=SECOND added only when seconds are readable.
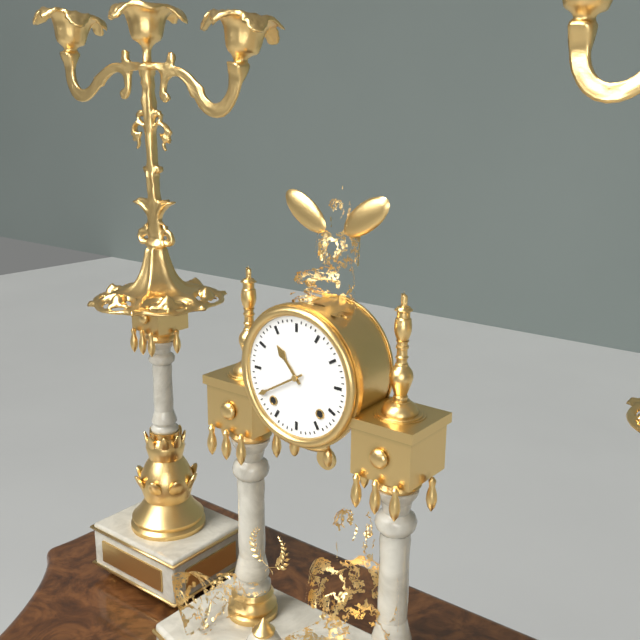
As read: h=10 m=40
